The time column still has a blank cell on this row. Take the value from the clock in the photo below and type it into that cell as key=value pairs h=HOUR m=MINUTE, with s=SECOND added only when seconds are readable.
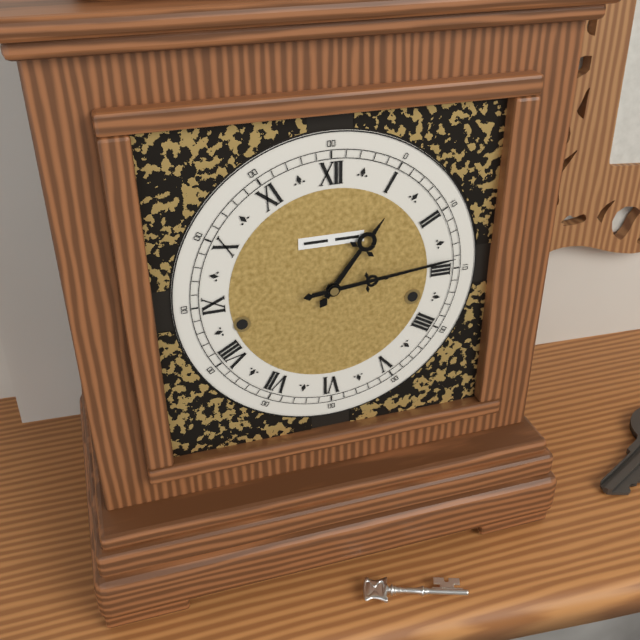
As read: h=1 m=14
